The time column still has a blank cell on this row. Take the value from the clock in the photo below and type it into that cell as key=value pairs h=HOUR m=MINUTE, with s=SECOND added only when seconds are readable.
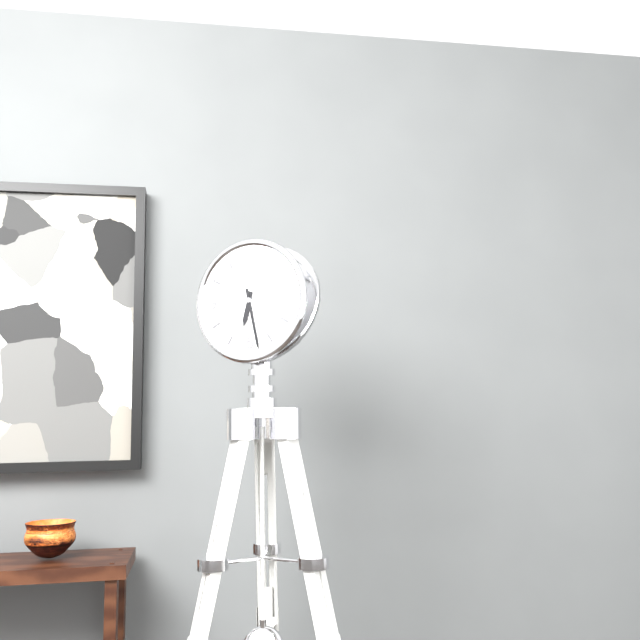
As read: h=6 m=28
